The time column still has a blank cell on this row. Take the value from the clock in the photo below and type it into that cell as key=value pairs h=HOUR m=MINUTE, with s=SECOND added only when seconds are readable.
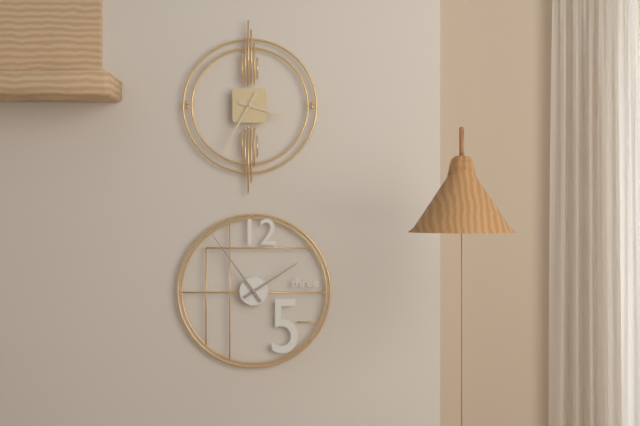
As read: h=3 m=35
